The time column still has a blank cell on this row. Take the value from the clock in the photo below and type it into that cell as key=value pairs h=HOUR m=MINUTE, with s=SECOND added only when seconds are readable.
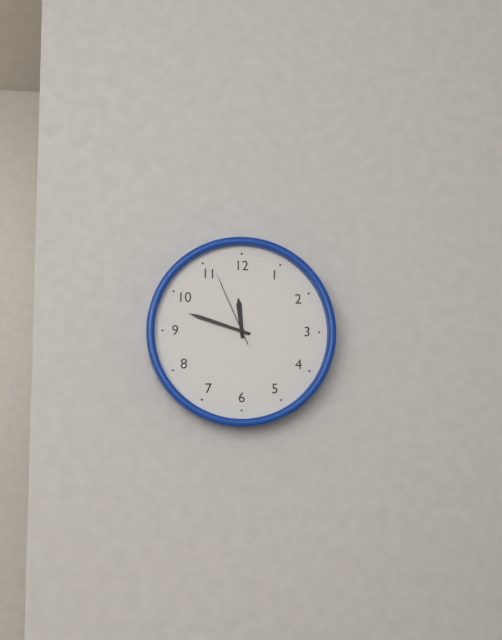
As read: h=11 m=48 s=56
